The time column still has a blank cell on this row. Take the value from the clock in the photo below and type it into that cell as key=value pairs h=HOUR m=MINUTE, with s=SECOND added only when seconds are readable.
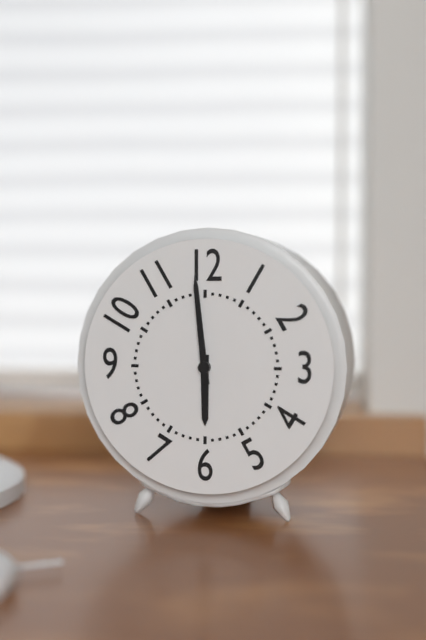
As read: h=5 m=59
